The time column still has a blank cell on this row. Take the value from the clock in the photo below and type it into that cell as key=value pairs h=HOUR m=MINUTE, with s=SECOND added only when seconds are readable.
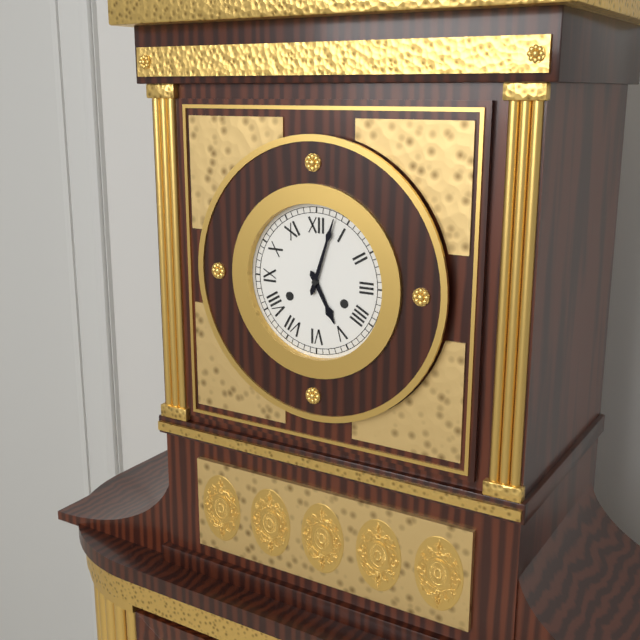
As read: h=5 m=3
